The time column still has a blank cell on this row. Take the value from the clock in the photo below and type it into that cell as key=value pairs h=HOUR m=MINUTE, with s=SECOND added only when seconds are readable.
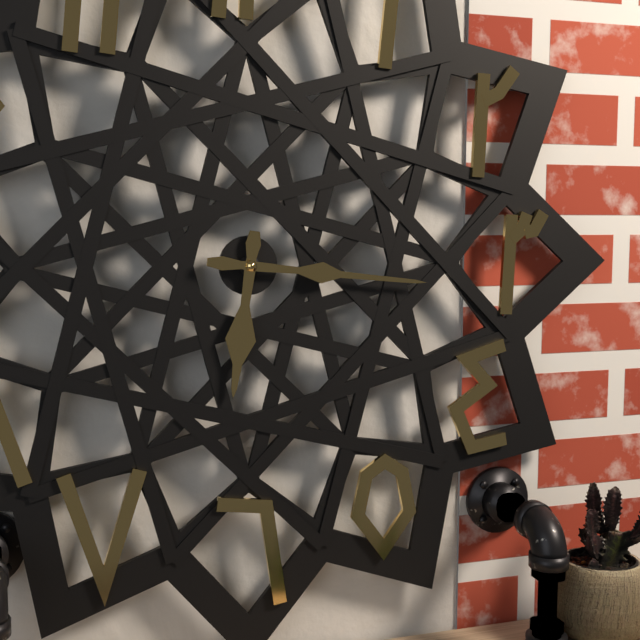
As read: h=6 m=16
